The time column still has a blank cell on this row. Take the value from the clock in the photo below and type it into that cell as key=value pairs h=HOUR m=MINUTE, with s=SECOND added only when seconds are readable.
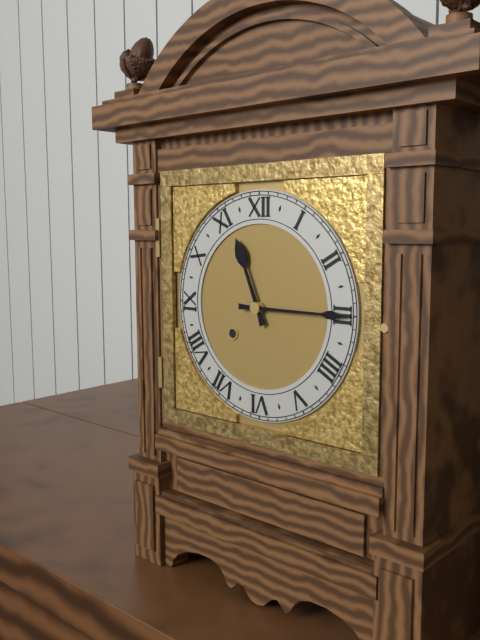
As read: h=11 m=15
